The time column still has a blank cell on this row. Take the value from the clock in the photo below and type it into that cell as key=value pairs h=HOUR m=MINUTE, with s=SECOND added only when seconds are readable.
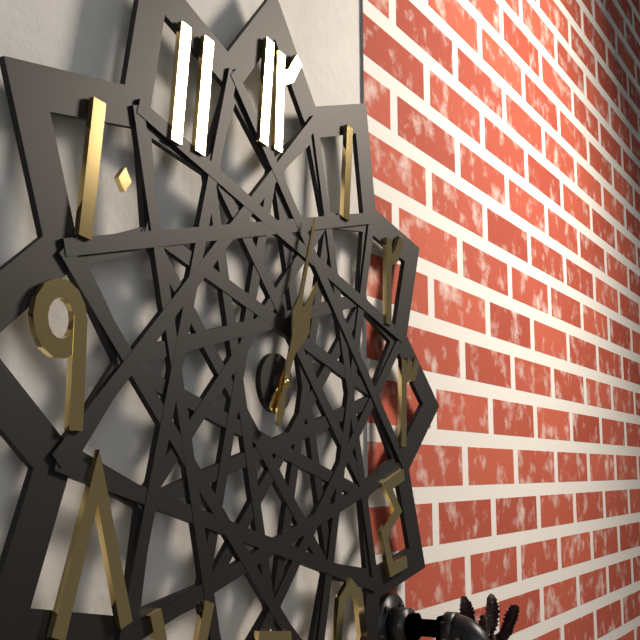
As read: h=1 m=3
